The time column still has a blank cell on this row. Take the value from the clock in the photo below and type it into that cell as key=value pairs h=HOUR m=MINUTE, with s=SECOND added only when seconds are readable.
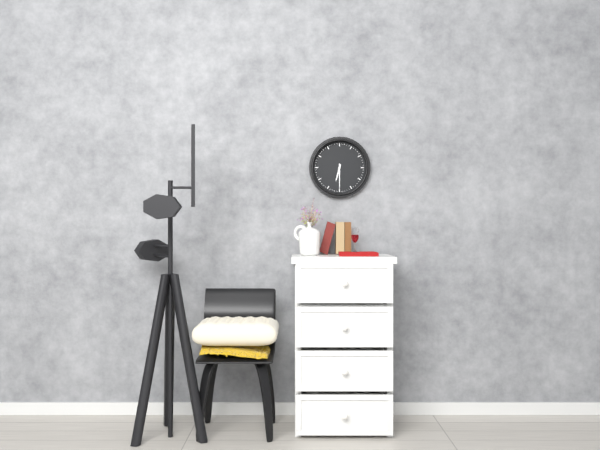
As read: h=6 m=30
